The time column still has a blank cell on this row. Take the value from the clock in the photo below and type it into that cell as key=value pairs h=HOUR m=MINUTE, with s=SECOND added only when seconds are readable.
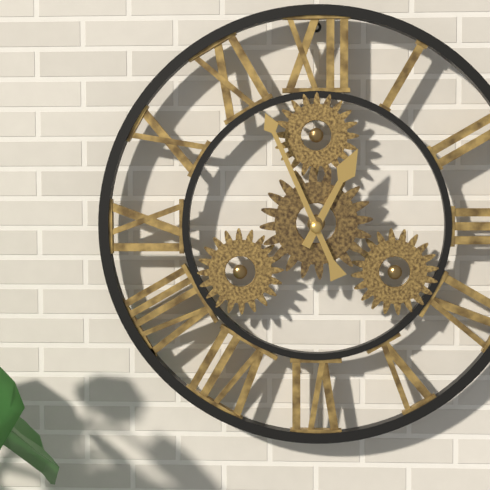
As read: h=12 m=56
